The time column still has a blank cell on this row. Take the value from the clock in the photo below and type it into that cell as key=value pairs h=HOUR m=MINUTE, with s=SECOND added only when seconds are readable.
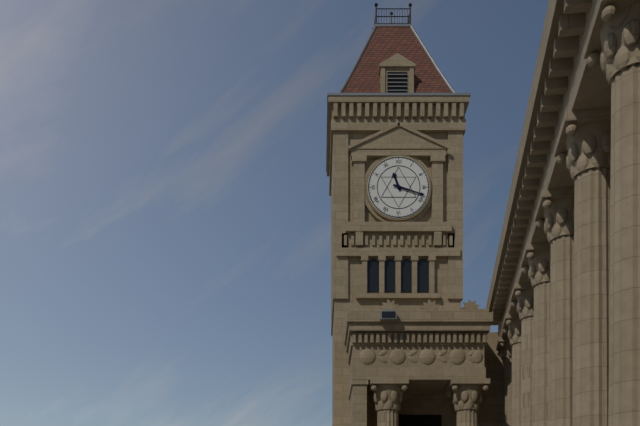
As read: h=11 m=18
